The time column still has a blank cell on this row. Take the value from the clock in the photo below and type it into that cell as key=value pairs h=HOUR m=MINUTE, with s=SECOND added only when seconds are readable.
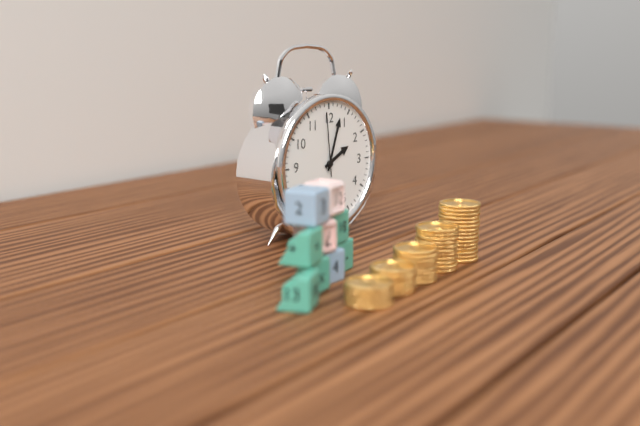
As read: h=2 m=3 s=59
